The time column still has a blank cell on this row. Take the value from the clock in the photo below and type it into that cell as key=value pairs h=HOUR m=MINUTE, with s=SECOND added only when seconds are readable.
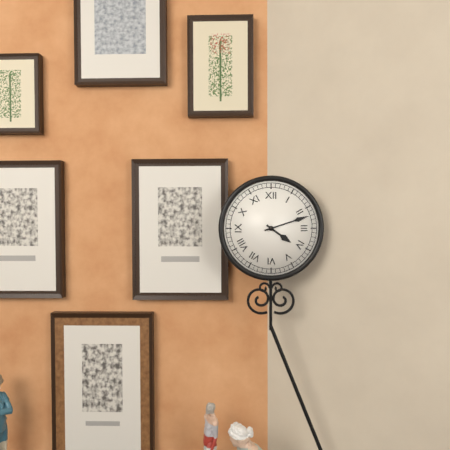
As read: h=4 m=12
